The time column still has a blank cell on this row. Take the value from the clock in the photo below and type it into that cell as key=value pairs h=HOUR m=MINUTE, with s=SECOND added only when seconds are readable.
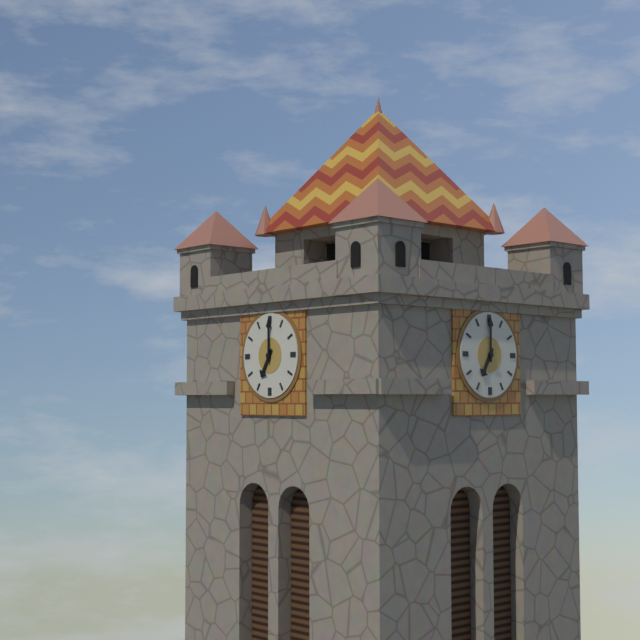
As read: h=7 m=0
